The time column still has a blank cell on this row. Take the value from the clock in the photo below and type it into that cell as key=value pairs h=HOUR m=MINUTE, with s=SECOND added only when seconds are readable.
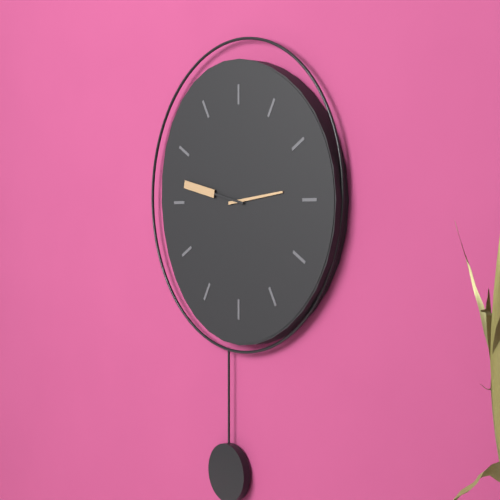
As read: h=2 m=47
